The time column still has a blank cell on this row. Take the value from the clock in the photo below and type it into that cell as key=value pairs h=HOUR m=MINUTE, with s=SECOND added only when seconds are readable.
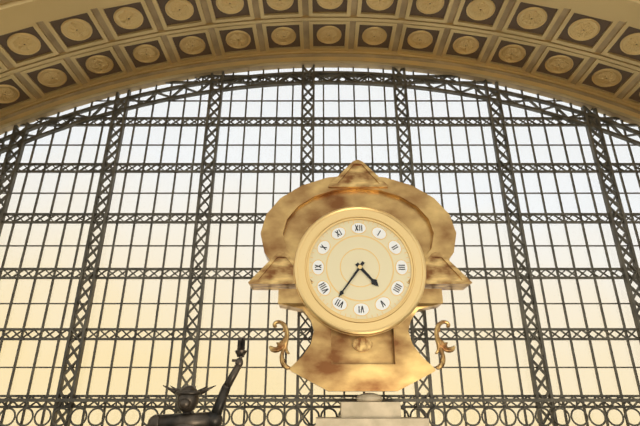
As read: h=4 m=36
